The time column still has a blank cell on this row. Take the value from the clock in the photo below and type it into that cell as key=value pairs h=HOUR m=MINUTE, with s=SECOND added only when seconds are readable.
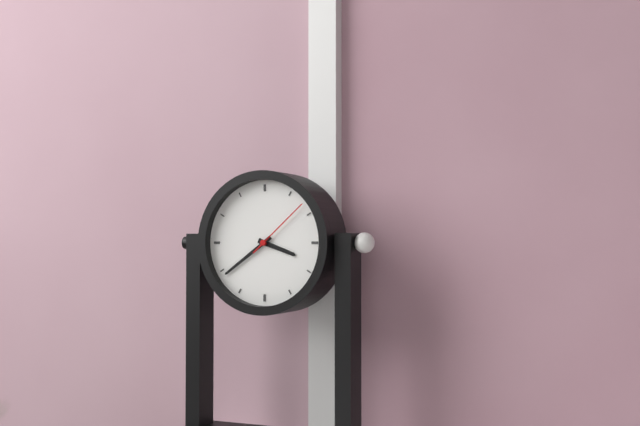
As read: h=3 m=39 s=8
